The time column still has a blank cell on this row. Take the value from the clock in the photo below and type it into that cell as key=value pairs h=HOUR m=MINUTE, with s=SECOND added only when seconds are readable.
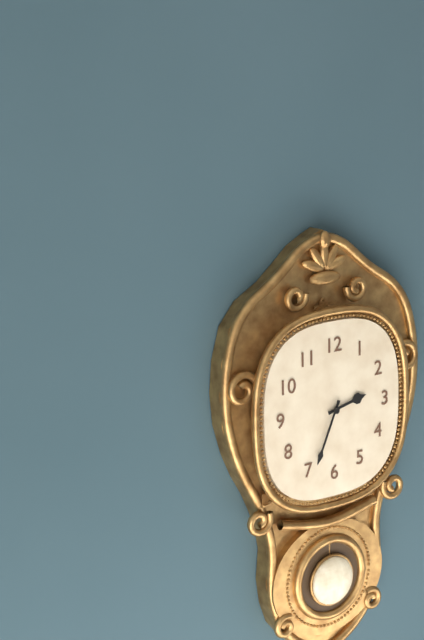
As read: h=2 m=34
